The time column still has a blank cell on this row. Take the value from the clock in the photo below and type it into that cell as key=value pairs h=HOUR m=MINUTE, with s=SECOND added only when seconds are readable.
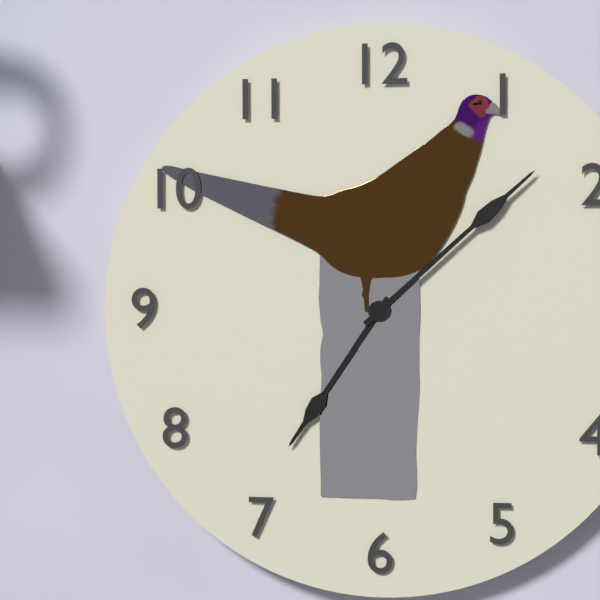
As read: h=7 m=8
